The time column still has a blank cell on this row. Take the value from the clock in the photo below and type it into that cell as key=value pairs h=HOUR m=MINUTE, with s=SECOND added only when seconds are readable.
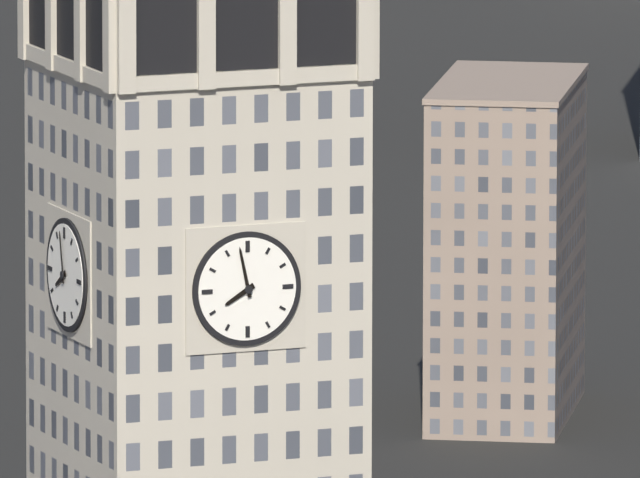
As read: h=7 m=58
